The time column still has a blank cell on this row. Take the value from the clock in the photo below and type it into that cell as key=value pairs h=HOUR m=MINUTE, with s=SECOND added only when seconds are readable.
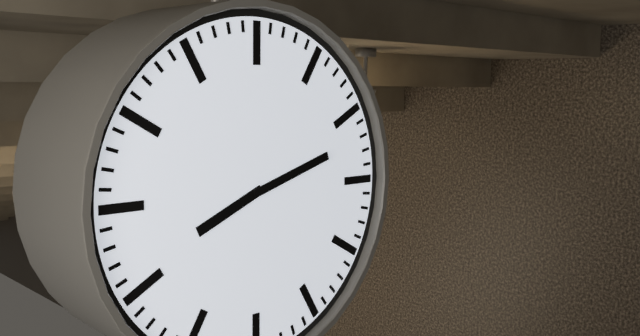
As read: h=8 m=12
